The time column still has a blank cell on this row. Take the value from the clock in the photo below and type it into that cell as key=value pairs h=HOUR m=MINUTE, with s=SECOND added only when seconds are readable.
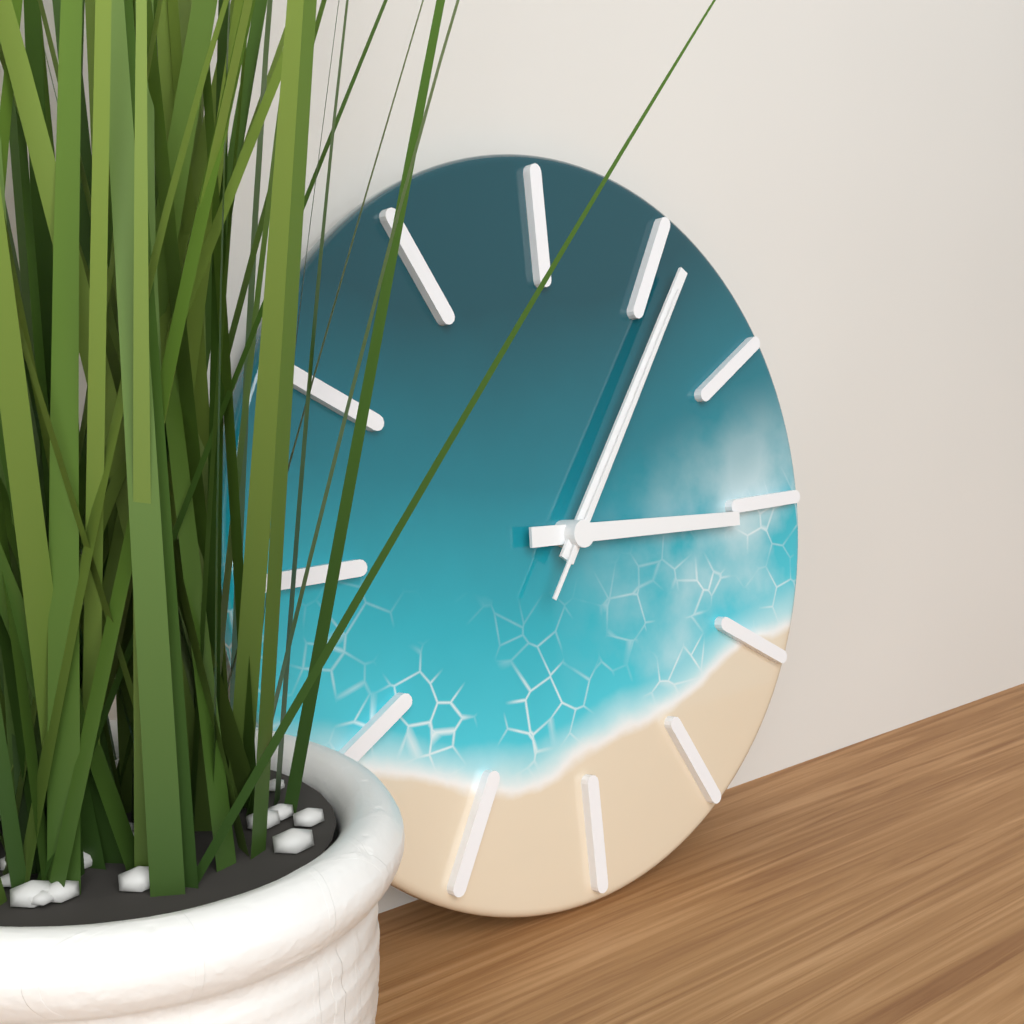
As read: h=3 m=6 s=6
